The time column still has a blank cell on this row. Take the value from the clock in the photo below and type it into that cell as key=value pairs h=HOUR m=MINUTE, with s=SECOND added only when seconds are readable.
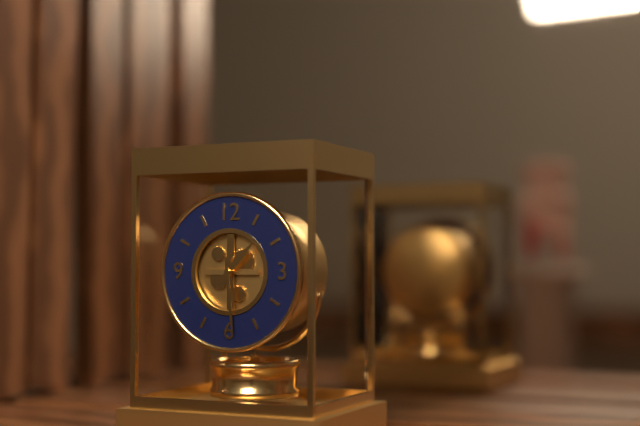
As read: h=1 m=29
